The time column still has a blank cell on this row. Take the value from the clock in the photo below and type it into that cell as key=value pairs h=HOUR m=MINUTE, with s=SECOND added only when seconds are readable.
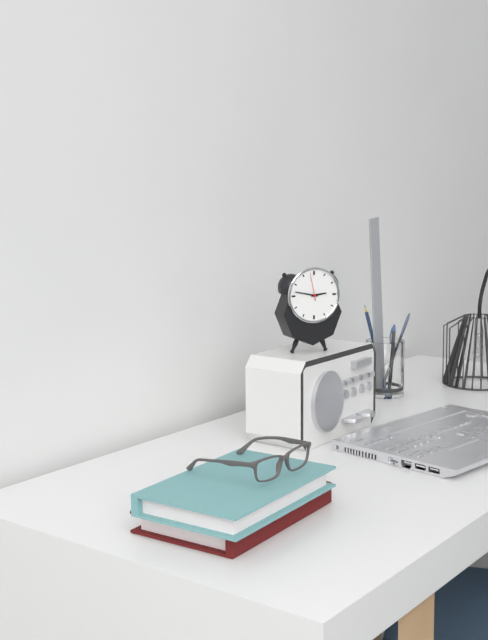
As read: h=2 m=47
